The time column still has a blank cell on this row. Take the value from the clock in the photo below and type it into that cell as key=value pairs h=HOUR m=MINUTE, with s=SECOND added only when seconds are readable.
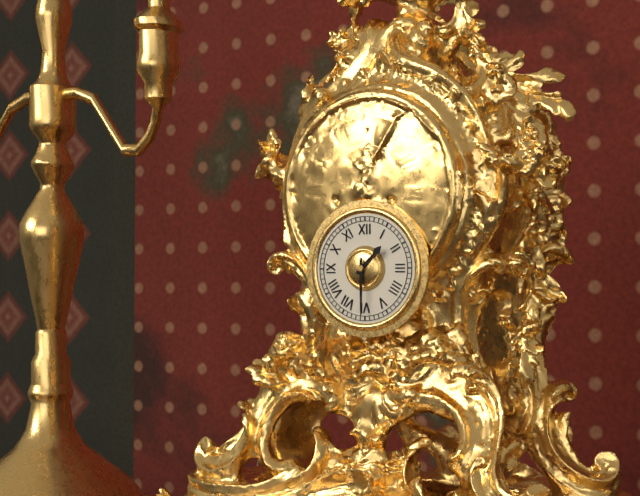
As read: h=1 m=30
